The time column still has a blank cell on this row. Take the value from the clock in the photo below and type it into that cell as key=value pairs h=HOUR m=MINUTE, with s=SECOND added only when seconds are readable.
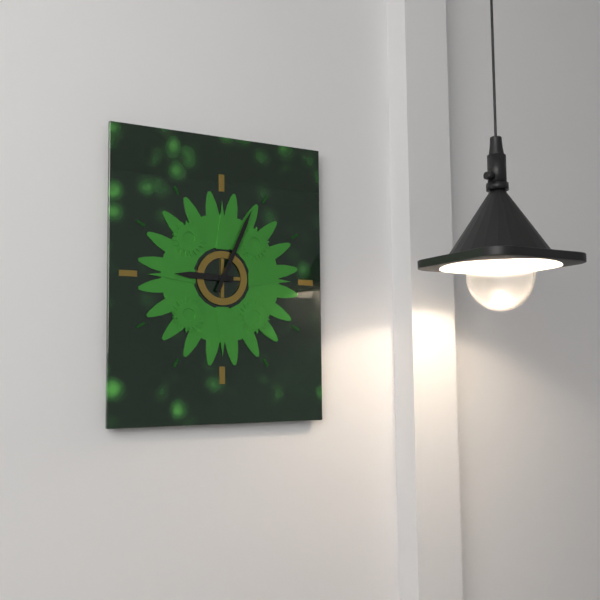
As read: h=9 m=4
